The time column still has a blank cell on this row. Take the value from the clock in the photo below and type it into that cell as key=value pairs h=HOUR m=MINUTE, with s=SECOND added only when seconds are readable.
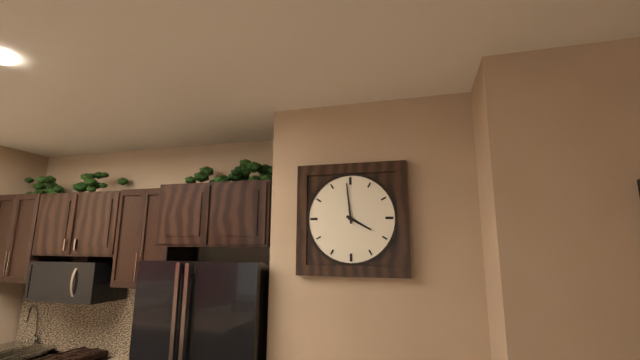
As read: h=3 m=59
